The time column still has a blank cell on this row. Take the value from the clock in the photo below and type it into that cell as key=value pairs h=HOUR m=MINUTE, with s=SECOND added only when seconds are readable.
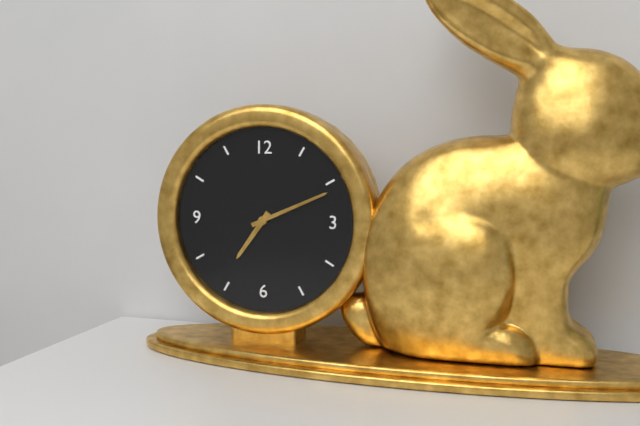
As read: h=7 m=11
